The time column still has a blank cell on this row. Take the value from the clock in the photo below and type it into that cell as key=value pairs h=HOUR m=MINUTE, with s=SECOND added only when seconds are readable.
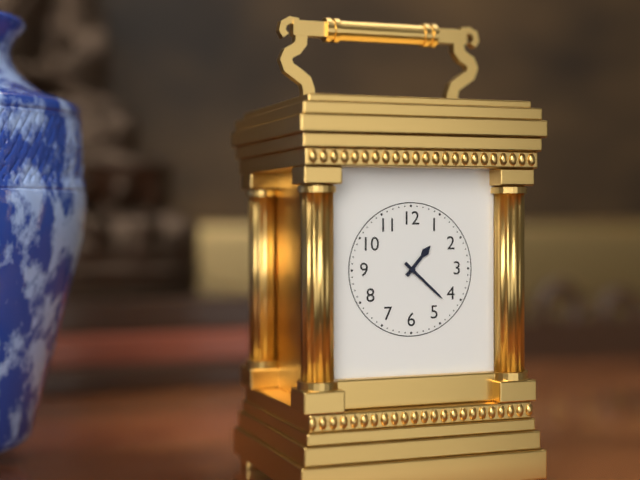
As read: h=1 m=22
